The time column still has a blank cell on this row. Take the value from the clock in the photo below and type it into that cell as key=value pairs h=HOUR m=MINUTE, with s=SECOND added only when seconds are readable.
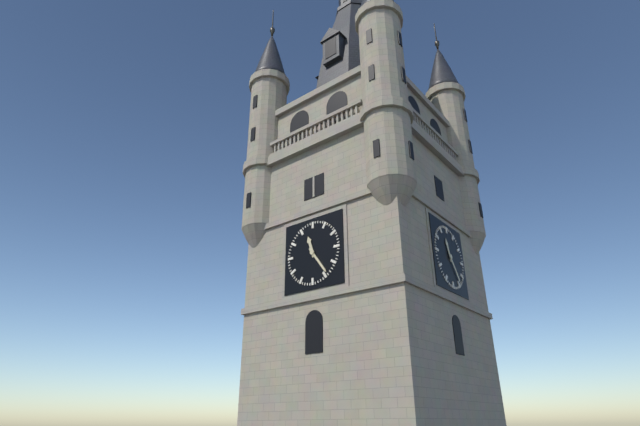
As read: h=11 m=24
